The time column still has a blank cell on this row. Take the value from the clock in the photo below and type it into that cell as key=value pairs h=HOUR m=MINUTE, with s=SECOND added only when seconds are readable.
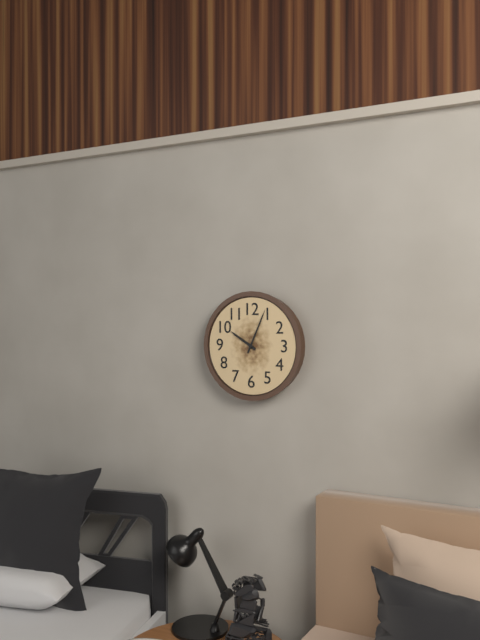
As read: h=10 m=4
